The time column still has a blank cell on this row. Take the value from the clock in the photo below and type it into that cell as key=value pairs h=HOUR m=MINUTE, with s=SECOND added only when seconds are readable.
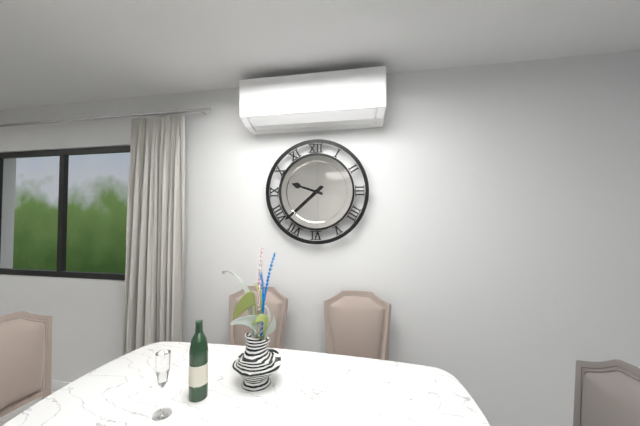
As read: h=9 m=38
